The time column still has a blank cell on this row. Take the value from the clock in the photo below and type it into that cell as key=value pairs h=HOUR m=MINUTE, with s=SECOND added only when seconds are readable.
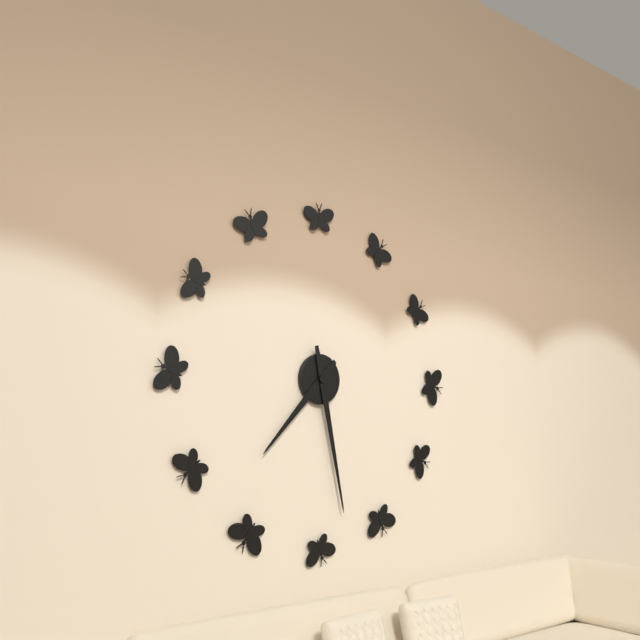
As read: h=7 m=28
